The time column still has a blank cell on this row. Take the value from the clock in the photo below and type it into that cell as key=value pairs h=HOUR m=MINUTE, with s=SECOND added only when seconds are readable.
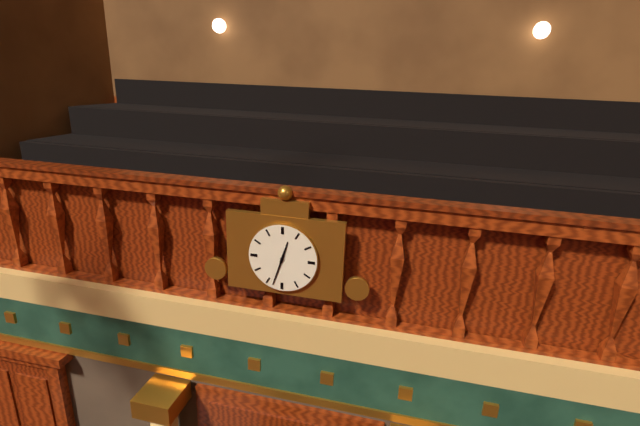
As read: h=12 m=33
